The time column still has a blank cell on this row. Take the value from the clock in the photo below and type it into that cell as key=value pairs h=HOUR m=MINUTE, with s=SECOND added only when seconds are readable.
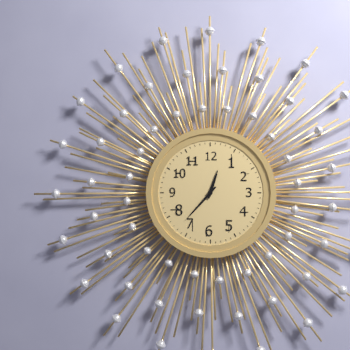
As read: h=12 m=37
